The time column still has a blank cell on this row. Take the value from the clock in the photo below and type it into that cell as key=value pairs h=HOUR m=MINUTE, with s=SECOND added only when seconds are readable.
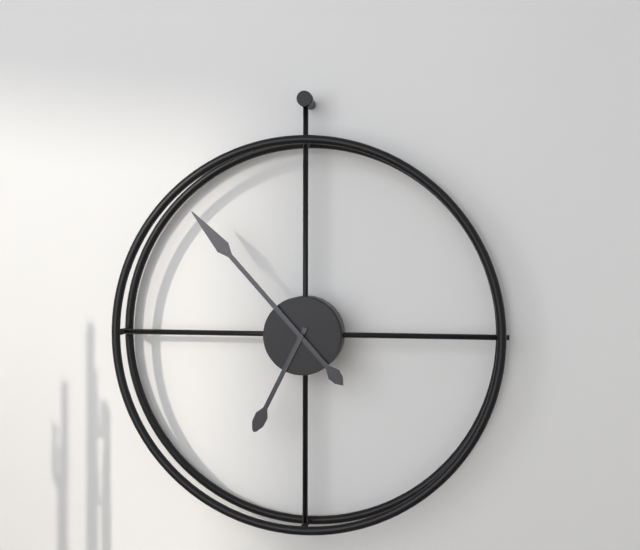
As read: h=6 m=53
